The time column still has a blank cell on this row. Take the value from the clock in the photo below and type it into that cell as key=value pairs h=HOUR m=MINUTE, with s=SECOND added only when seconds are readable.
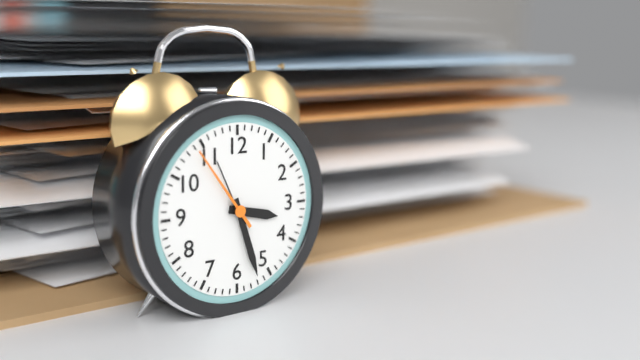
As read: h=3 m=27 s=54
